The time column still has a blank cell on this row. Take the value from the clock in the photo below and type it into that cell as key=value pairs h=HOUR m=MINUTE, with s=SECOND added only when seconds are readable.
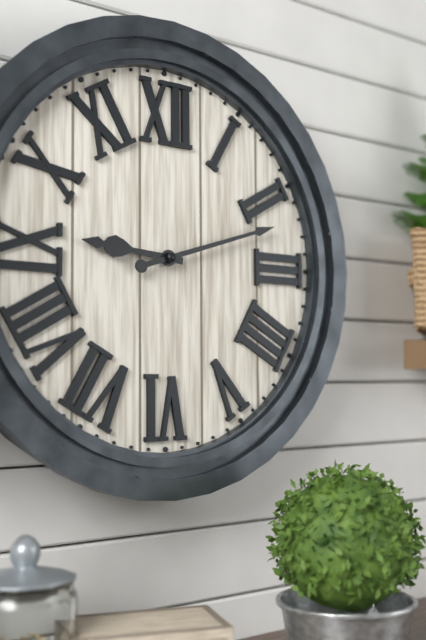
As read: h=9 m=12
